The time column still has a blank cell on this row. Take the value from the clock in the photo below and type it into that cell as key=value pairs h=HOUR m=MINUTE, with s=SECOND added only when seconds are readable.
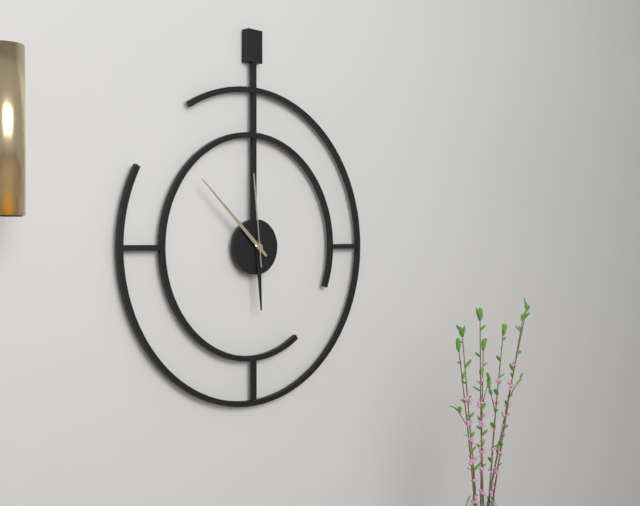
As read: h=5 m=52 s=59
